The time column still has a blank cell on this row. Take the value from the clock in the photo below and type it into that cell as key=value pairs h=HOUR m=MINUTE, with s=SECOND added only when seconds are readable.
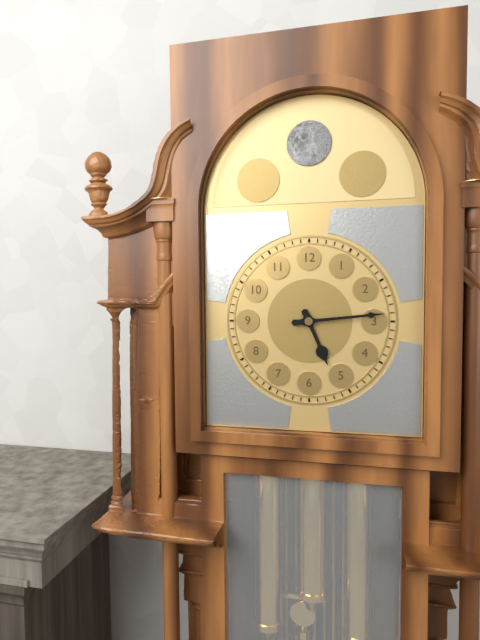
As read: h=5 m=14
